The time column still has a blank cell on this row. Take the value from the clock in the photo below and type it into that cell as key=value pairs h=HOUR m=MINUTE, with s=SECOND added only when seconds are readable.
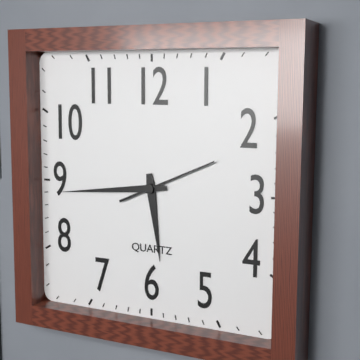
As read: h=5 m=44 s=11
